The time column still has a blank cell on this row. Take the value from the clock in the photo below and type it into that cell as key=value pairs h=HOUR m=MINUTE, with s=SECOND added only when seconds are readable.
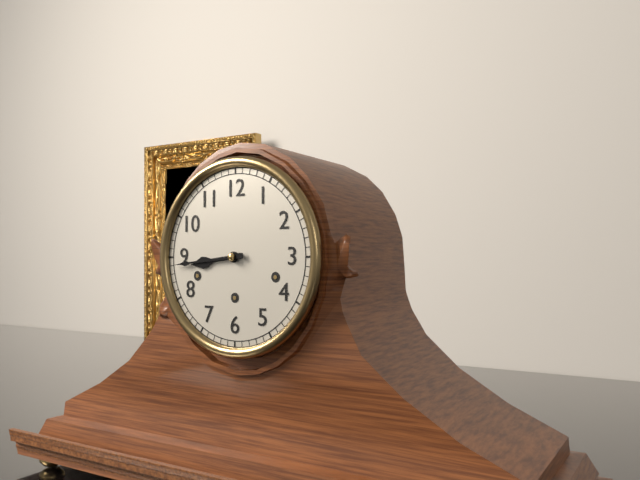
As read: h=8 m=44
